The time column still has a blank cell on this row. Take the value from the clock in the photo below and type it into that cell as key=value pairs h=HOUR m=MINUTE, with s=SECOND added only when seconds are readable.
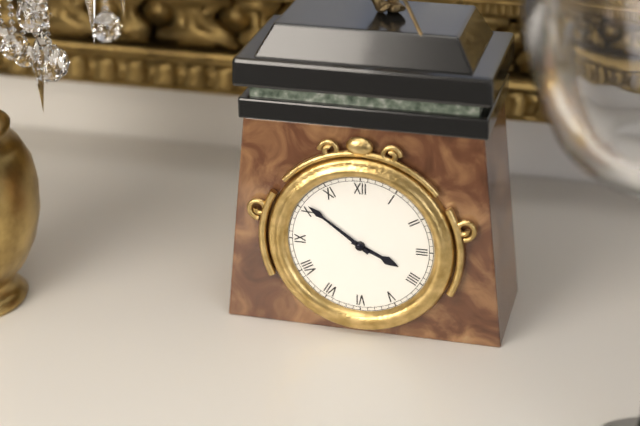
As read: h=3 m=51
